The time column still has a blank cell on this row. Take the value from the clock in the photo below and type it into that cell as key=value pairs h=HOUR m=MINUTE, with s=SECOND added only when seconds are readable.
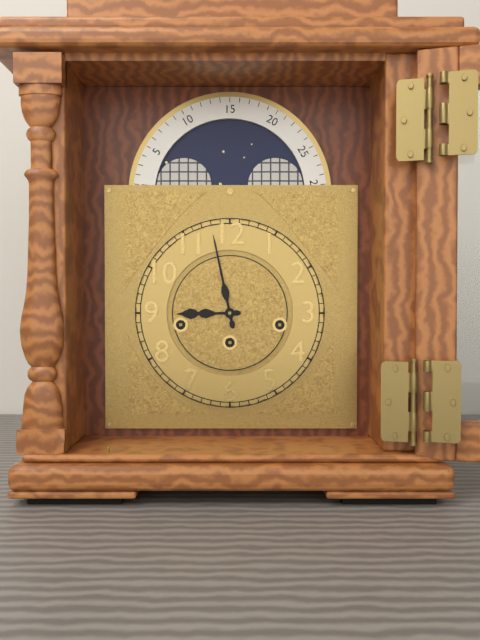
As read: h=8 m=58
